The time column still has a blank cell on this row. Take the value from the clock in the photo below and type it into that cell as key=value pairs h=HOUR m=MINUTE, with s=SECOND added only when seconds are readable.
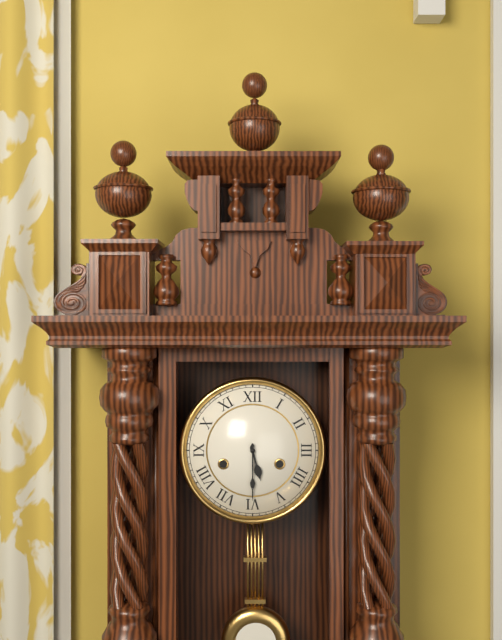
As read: h=5 m=30
